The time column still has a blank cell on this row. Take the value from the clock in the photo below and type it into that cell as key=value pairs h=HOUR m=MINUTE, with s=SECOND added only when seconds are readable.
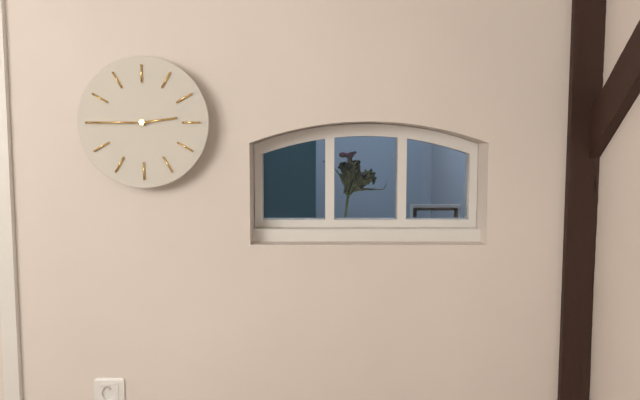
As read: h=2 m=45
